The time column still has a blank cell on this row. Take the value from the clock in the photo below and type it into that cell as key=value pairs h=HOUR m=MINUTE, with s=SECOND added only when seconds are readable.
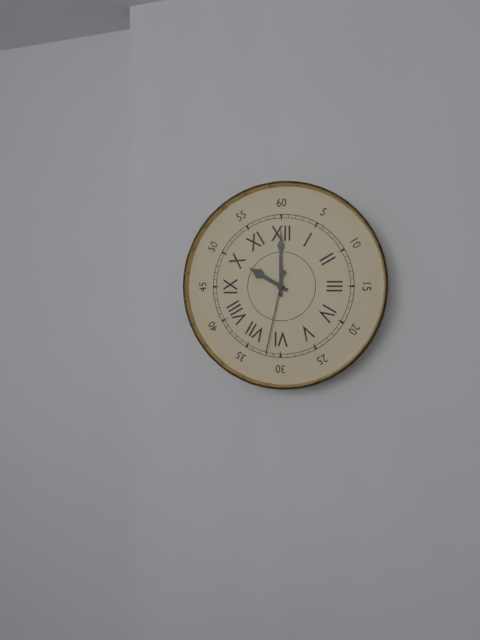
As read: h=10 m=0 s=32
